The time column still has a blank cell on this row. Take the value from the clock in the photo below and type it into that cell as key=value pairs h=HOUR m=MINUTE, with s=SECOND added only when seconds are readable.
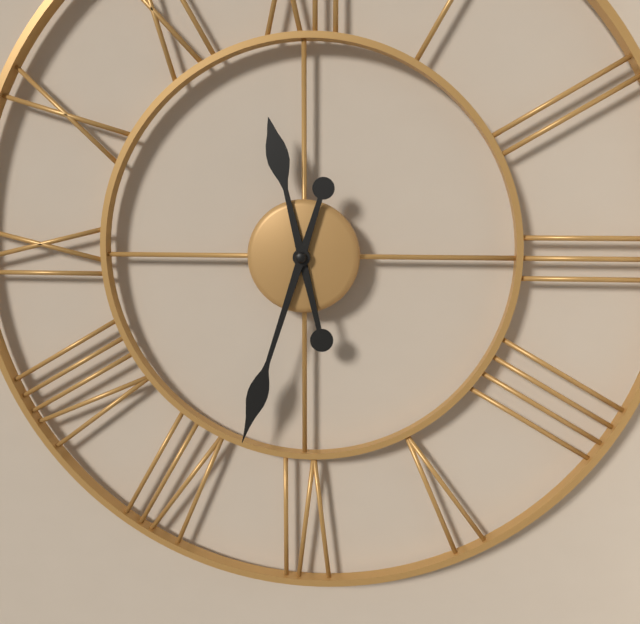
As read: h=11 m=33
